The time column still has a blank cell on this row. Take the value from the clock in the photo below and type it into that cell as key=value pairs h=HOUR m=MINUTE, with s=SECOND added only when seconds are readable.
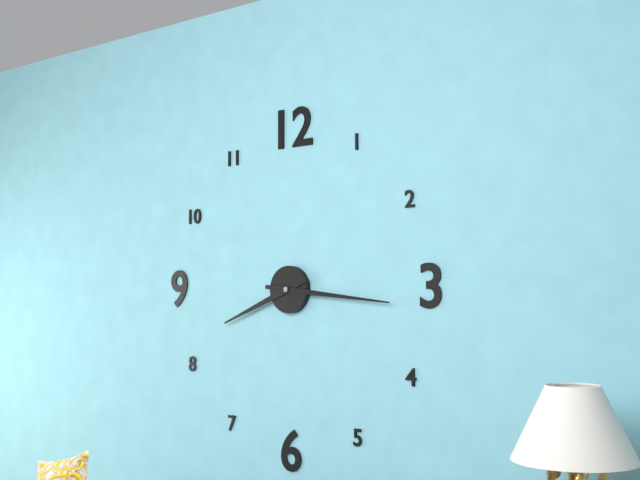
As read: h=8 m=16
